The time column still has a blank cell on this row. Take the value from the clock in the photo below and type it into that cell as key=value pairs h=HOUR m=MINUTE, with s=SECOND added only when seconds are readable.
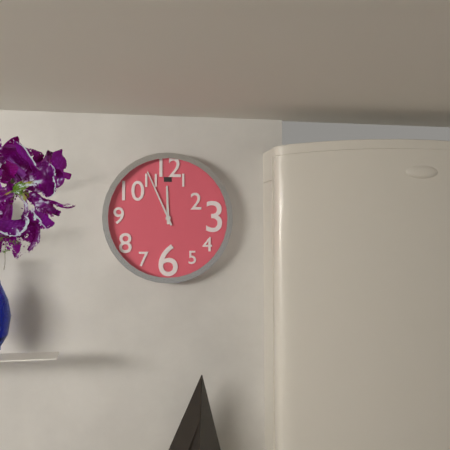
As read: h=11 m=56
